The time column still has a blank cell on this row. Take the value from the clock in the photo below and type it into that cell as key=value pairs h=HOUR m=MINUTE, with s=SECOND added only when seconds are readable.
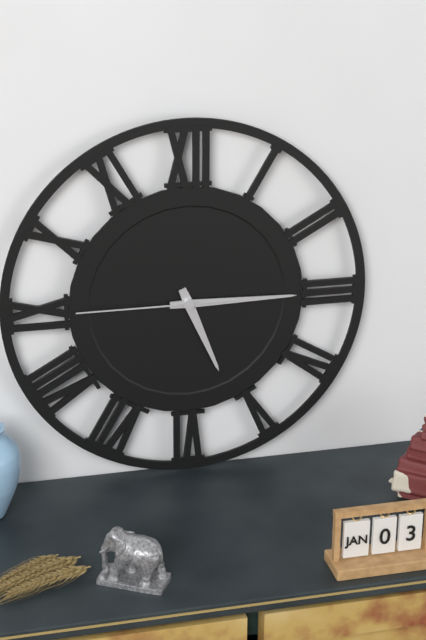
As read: h=5 m=15 s=45
